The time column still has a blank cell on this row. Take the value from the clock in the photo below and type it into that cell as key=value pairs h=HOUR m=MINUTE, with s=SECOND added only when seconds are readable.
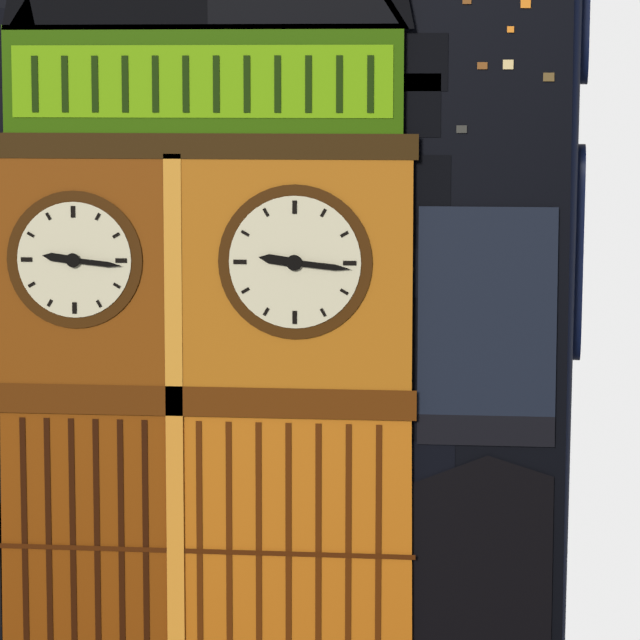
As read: h=9 m=16
